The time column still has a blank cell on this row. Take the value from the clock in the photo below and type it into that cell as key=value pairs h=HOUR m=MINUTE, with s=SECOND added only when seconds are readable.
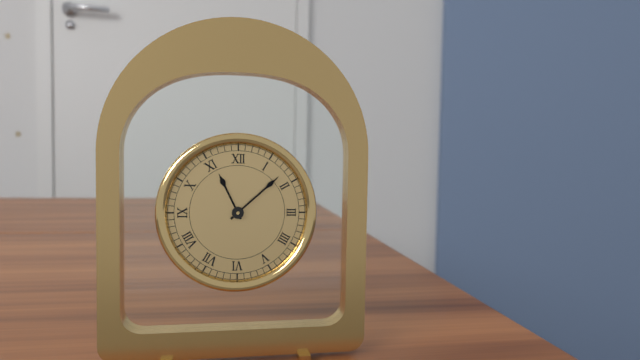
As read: h=11 m=8
